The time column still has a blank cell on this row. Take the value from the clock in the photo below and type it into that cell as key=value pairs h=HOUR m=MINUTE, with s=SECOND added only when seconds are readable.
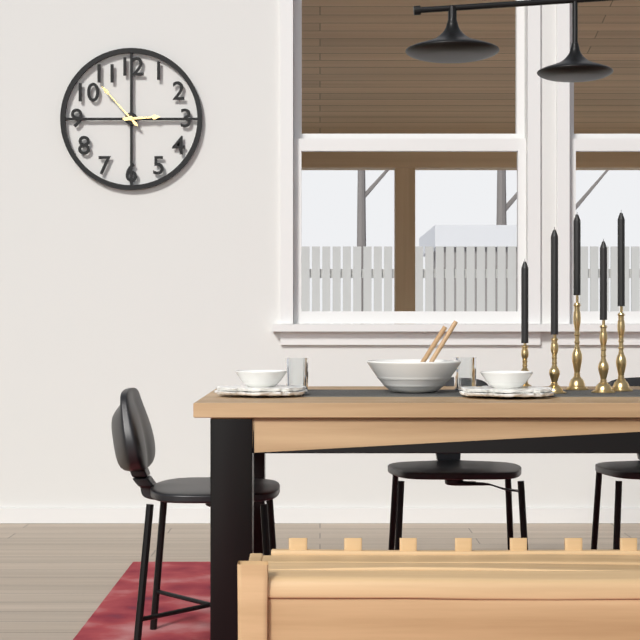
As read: h=2 m=53
